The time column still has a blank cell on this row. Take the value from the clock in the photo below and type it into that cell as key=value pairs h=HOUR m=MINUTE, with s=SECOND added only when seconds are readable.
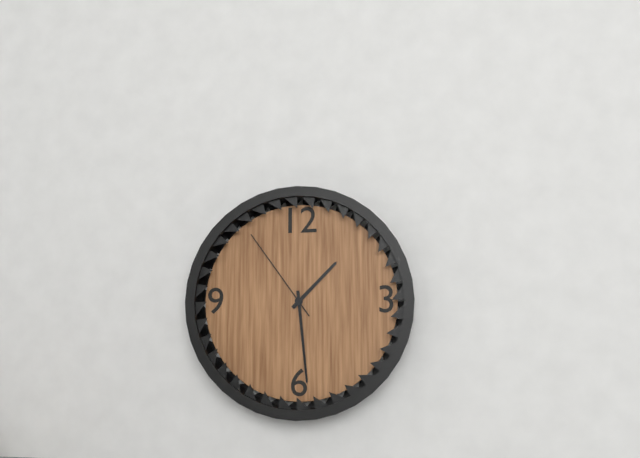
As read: h=1 m=29 s=54
